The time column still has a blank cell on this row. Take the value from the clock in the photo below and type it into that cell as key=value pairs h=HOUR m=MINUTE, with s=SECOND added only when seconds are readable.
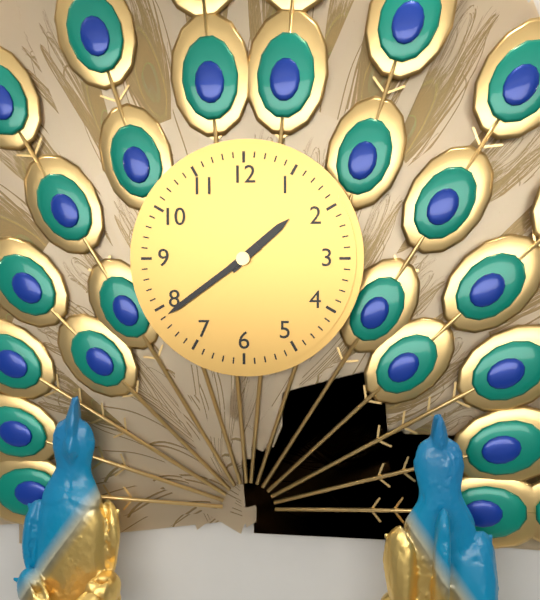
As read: h=1 m=39
